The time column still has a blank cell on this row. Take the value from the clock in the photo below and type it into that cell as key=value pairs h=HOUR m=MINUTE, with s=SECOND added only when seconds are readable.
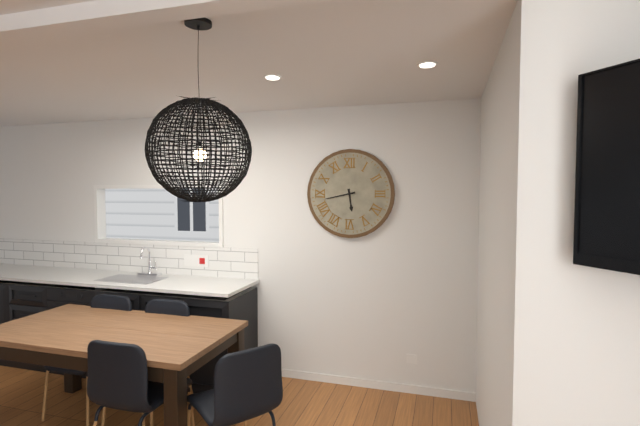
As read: h=5 m=43
